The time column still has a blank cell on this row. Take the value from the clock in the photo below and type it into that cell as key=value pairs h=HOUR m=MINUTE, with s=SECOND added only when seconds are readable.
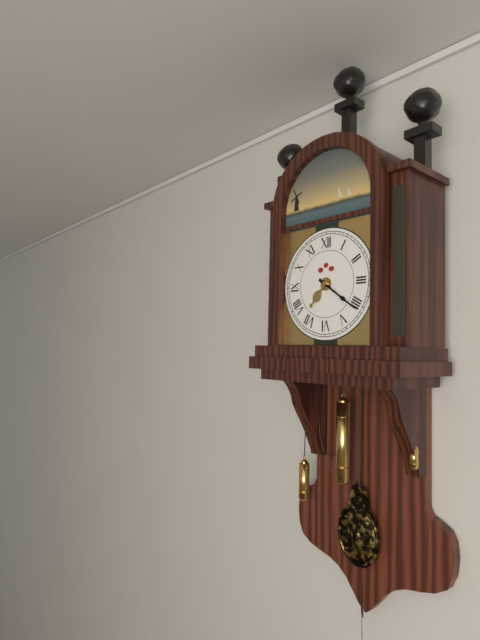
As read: h=7 m=21
